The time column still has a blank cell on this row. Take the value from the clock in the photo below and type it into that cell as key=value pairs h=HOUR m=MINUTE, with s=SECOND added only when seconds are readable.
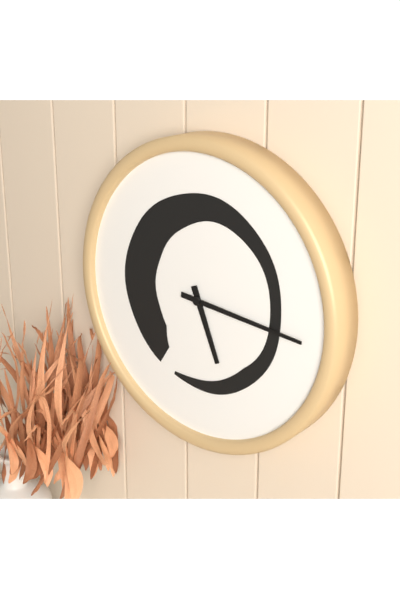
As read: h=5 m=16
